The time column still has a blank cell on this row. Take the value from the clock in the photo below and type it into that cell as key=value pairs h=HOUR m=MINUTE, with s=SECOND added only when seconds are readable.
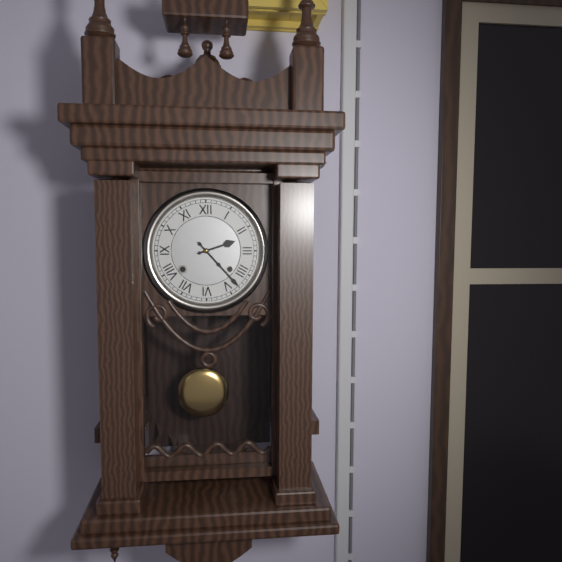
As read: h=2 m=23
